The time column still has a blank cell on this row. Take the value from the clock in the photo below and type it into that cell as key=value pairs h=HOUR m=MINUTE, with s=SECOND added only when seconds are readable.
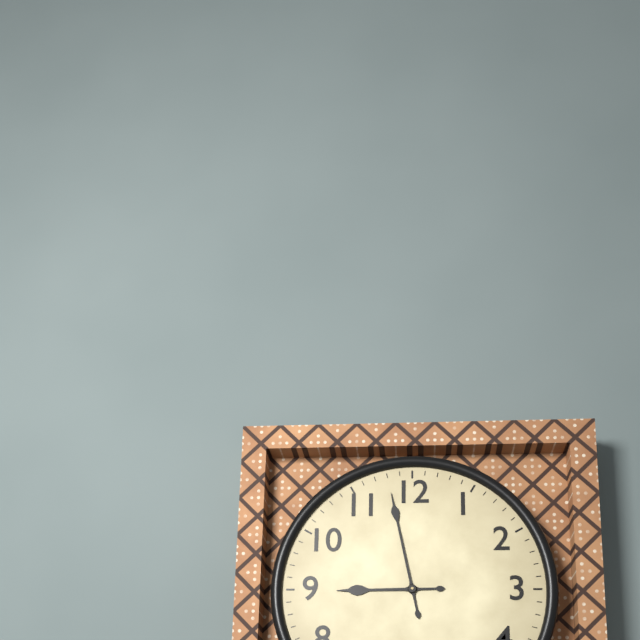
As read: h=8 m=58
